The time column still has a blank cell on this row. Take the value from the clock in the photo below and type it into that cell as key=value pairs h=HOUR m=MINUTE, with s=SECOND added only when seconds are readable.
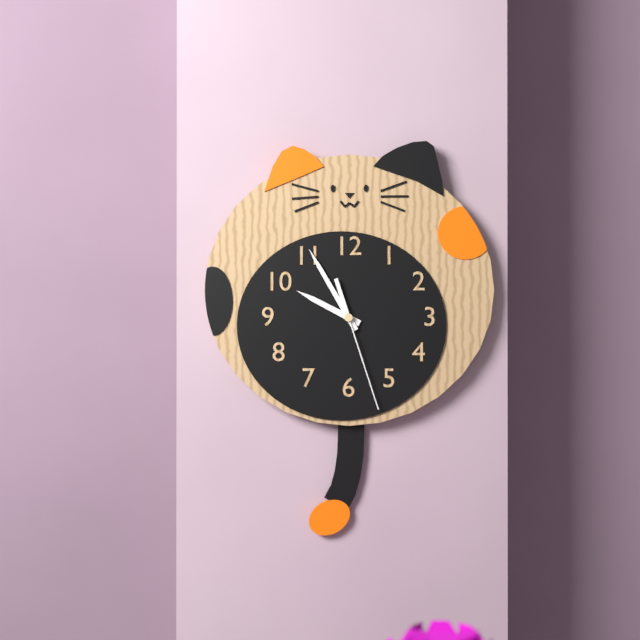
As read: h=9 m=55 s=27
